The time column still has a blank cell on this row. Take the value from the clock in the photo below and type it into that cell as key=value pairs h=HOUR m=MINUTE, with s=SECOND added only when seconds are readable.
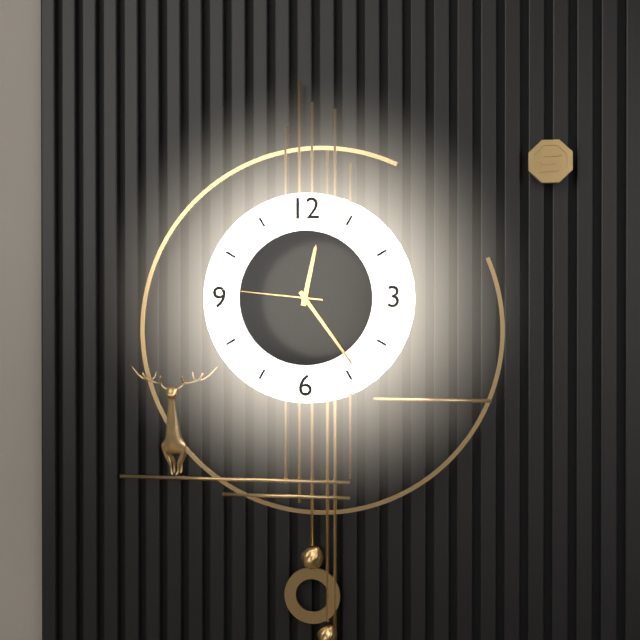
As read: h=12 m=24 s=46
